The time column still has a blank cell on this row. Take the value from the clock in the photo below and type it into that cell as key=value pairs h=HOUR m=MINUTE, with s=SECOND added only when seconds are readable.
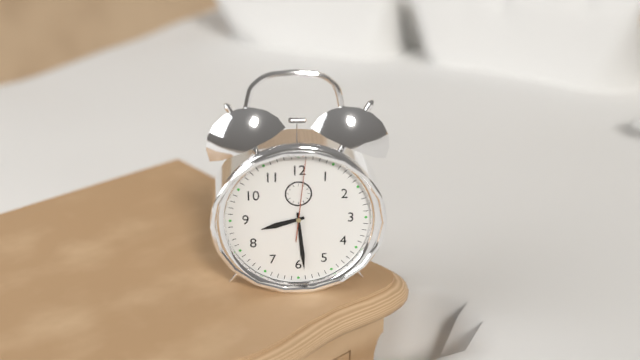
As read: h=8 m=29 s=1
